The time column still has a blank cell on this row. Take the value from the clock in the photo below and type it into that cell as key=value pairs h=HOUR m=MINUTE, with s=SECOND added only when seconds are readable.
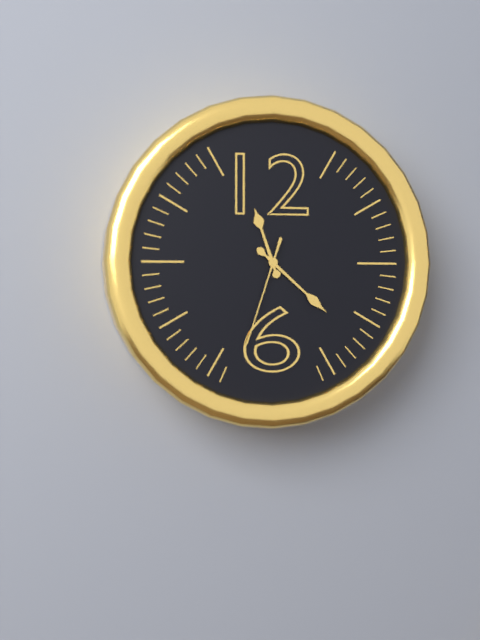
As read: h=11 m=22 s=33
